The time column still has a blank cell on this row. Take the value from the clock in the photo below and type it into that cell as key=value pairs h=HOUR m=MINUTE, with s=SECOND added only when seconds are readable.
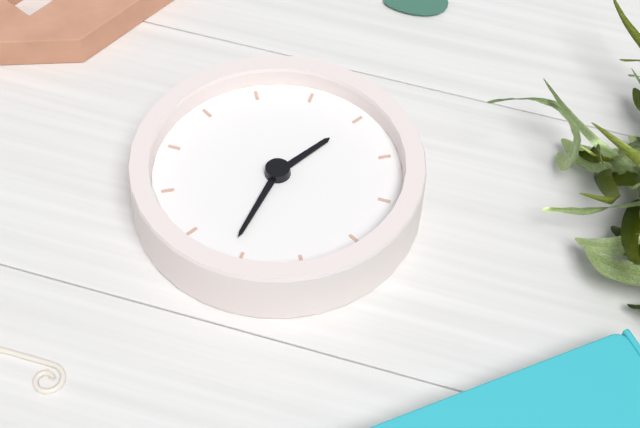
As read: h=7 m=1
